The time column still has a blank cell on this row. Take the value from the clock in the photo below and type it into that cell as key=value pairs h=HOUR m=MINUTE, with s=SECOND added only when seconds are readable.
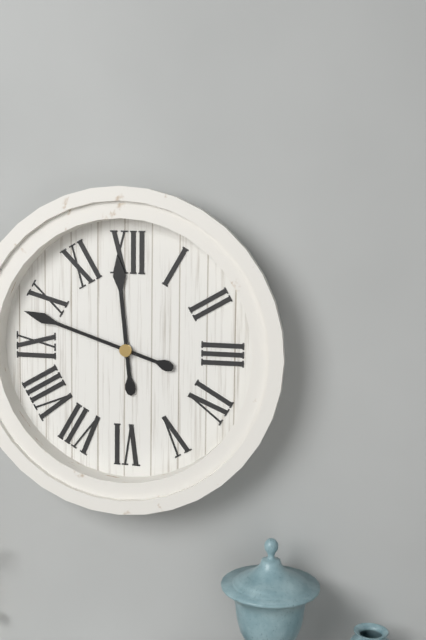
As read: h=11 m=48
